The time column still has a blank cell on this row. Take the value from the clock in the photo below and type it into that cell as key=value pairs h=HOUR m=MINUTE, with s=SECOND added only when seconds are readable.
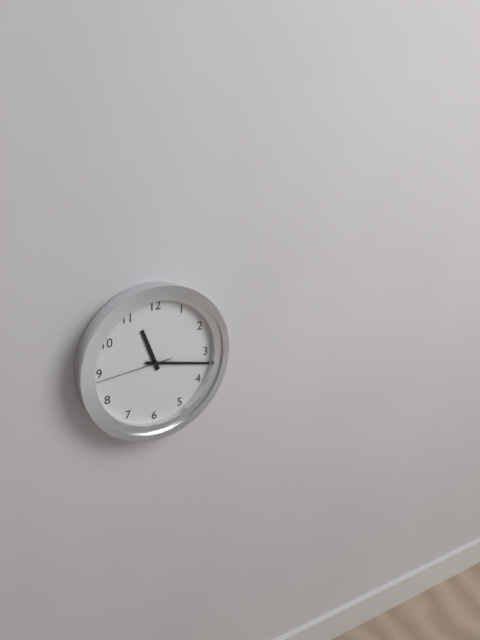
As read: h=11 m=17 s=44
